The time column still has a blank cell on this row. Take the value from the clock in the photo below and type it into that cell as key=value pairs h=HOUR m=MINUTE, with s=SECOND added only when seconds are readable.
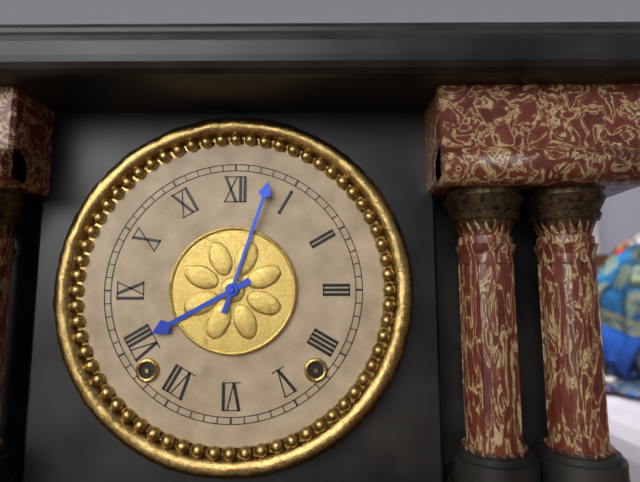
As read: h=8 m=3
